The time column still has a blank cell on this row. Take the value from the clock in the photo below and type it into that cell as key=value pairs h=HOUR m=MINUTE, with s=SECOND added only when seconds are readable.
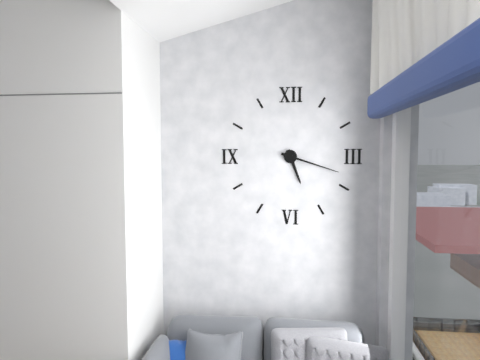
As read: h=5 m=18
